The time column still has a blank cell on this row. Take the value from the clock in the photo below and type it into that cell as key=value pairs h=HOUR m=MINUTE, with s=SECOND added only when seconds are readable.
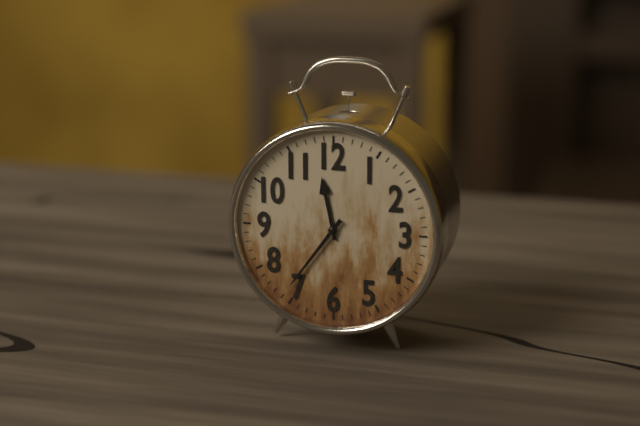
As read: h=11 m=36
